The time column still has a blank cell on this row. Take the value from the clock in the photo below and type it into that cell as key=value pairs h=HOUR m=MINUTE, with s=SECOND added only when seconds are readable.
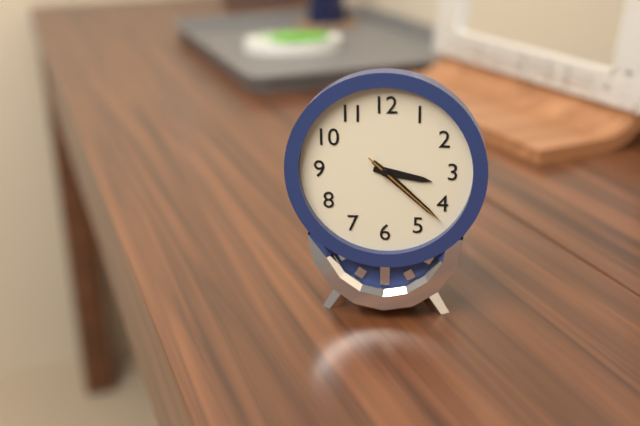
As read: h=3 m=22 s=22
